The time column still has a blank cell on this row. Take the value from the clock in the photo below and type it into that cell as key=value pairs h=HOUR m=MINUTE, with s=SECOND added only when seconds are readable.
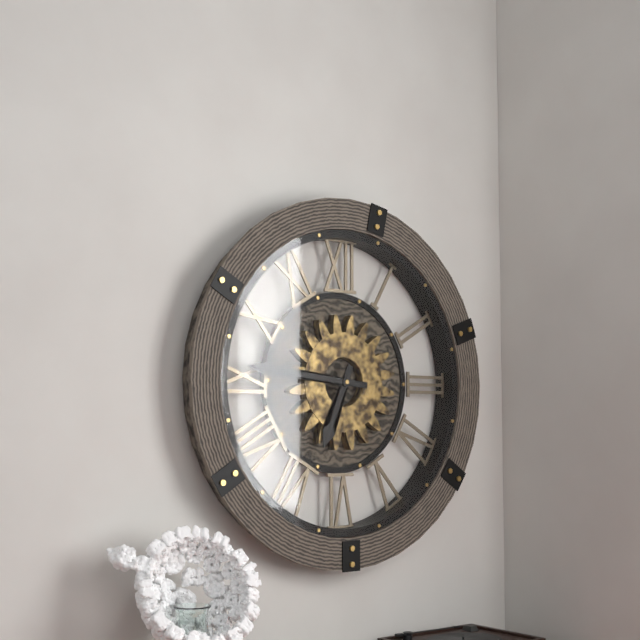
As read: h=6 m=46
